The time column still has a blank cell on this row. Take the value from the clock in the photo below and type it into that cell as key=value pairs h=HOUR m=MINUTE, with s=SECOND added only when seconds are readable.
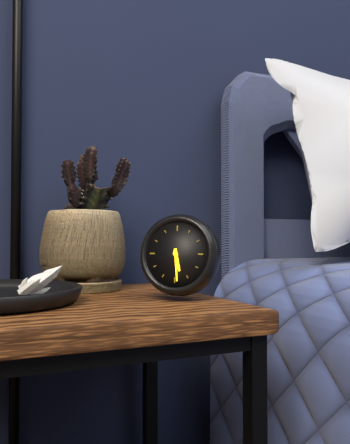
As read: h=5 m=29
